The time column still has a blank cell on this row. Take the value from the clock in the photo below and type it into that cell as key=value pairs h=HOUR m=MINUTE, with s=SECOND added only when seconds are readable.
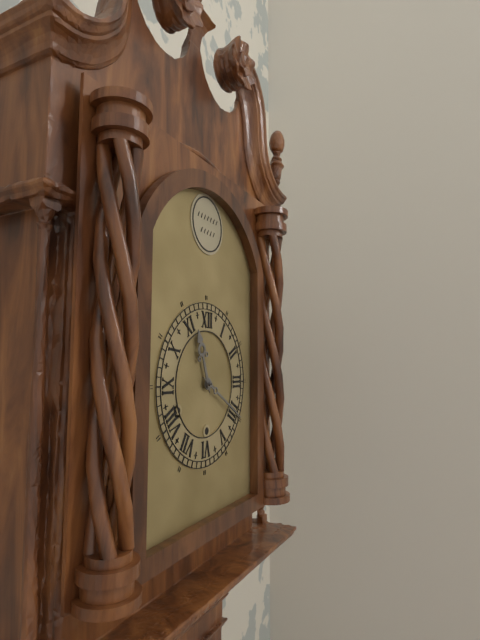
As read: h=11 m=20
